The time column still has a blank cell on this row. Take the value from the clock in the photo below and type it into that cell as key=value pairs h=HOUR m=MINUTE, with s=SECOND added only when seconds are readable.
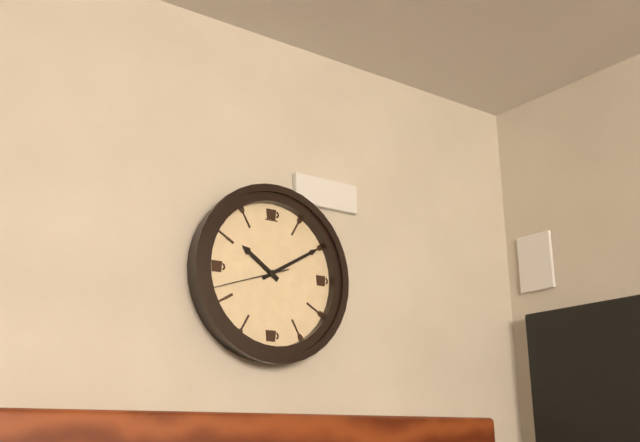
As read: h=10 m=10 s=42
